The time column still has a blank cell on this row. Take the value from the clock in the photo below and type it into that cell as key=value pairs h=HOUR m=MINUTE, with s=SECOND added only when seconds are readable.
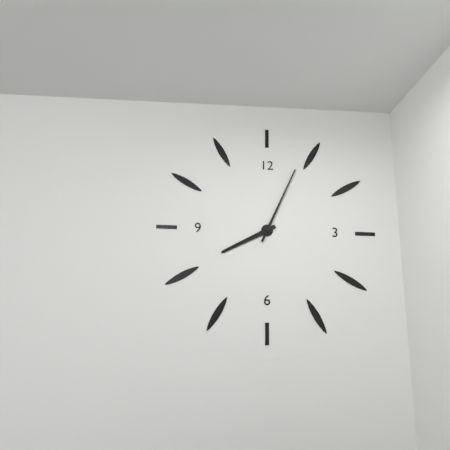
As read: h=8 m=4
